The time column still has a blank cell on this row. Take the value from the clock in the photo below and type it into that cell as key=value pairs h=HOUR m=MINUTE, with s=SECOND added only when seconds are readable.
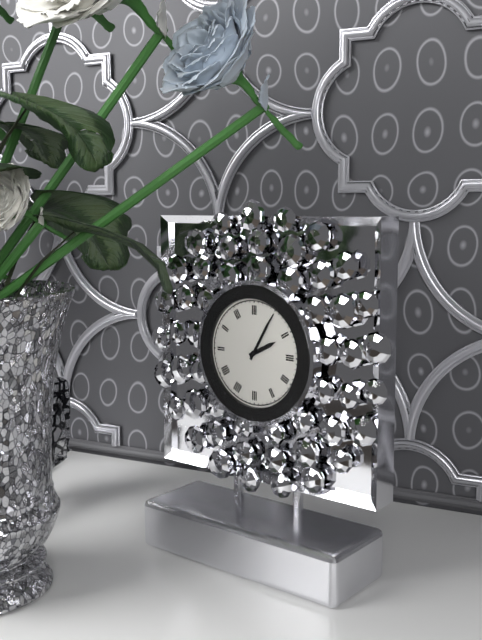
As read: h=2 m=5
